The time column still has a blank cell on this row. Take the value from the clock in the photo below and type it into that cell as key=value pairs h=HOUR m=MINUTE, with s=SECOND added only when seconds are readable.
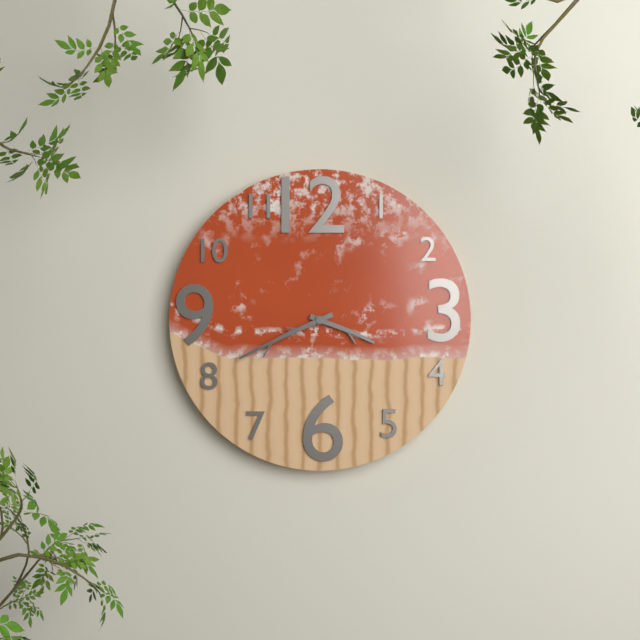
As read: h=3 m=41
